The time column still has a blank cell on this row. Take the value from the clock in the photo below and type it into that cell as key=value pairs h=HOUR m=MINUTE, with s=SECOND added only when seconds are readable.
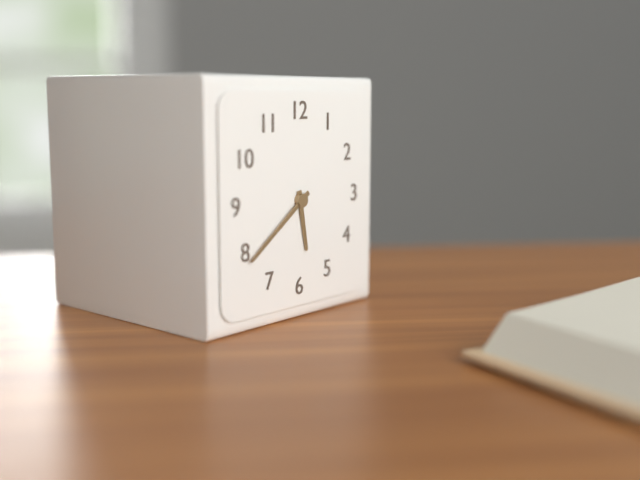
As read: h=5 m=39
